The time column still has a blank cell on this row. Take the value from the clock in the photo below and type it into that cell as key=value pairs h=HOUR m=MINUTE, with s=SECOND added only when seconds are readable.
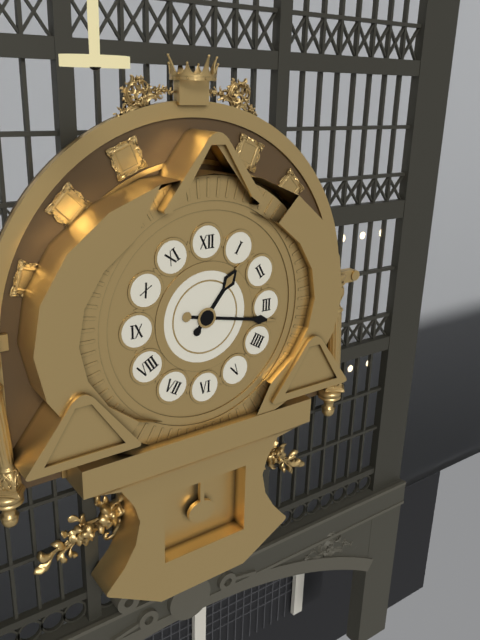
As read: h=1 m=17
